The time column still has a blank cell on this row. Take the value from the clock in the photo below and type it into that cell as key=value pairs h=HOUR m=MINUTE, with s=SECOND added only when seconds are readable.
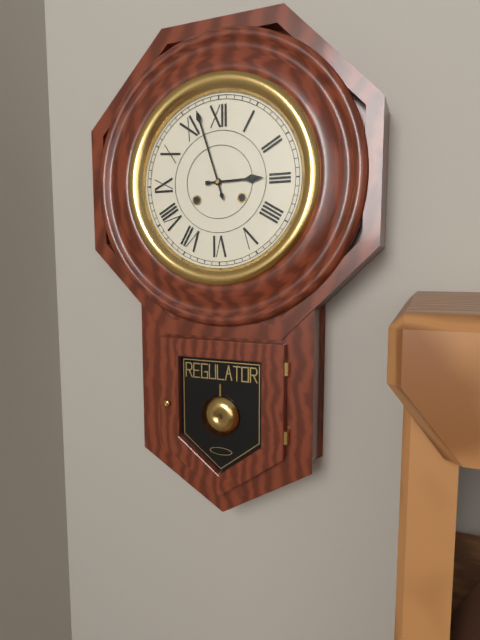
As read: h=2 m=57
